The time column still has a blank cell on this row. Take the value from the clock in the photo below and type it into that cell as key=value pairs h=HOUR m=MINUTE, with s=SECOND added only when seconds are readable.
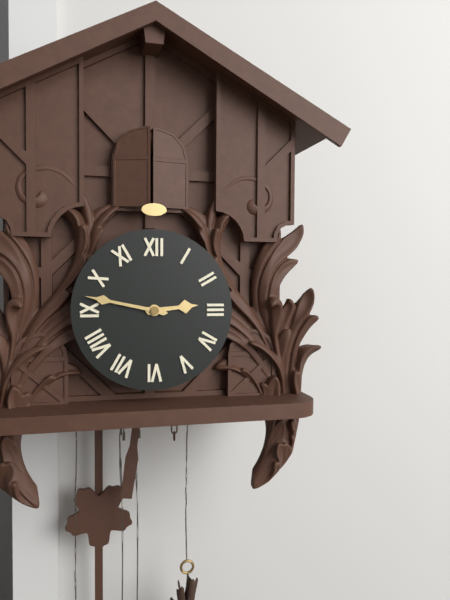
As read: h=2 m=47
